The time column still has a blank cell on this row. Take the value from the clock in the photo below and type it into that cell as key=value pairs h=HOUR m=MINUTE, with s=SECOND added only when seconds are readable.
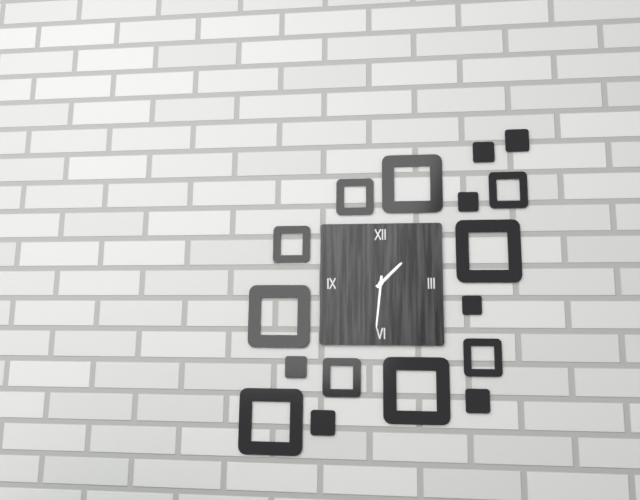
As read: h=1 m=31
